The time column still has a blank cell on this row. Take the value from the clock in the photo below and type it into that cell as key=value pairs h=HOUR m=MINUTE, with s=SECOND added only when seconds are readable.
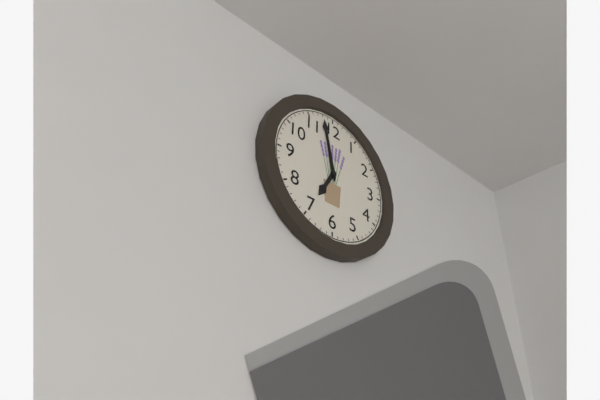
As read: h=6 m=58
